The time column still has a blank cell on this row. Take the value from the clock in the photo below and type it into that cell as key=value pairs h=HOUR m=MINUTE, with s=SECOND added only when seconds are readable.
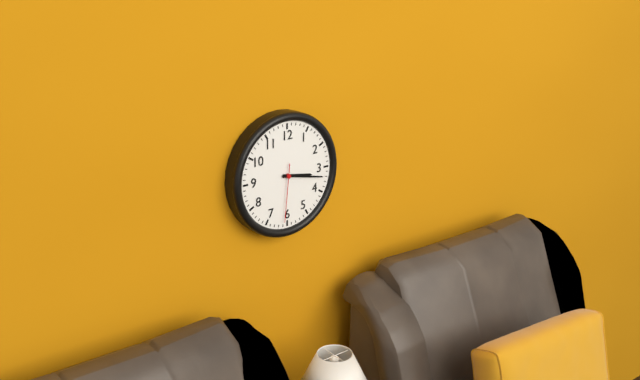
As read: h=3 m=17 s=31
